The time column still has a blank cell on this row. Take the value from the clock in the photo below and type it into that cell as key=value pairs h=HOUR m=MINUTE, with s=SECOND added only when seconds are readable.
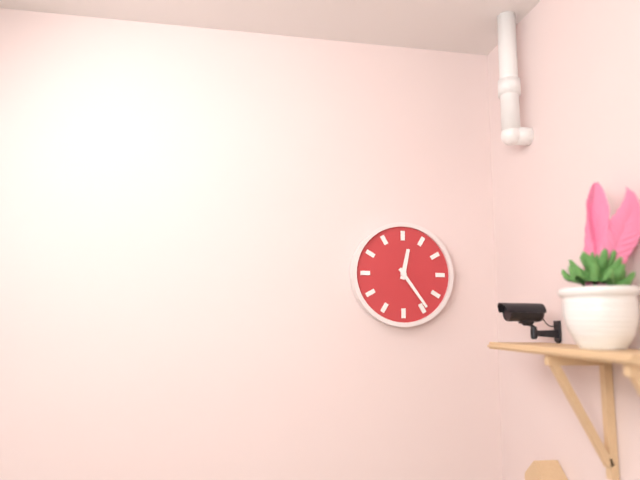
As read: h=12 m=24
